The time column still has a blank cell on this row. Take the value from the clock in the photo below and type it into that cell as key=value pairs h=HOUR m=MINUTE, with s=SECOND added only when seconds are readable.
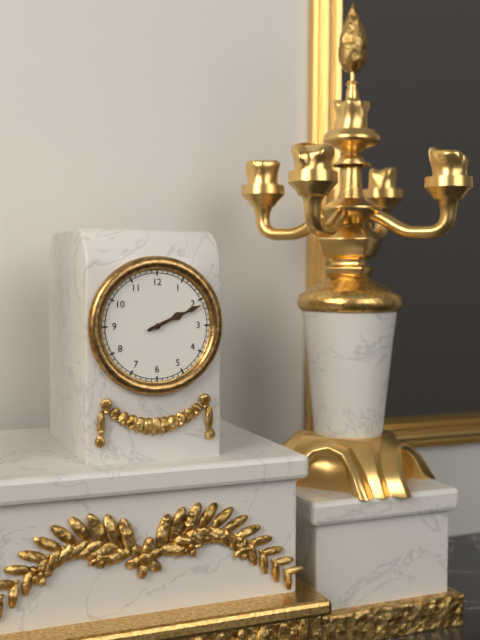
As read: h=2 m=11
